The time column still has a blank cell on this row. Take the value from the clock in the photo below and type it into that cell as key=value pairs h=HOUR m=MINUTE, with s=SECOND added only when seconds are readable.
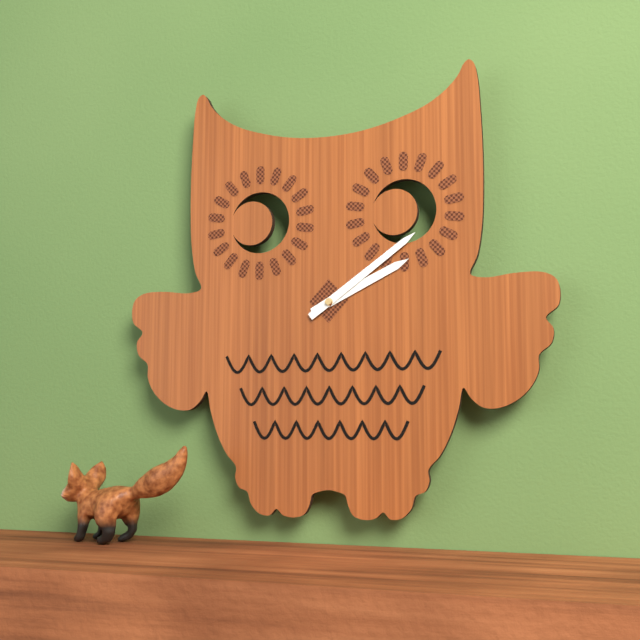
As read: h=2 m=9
